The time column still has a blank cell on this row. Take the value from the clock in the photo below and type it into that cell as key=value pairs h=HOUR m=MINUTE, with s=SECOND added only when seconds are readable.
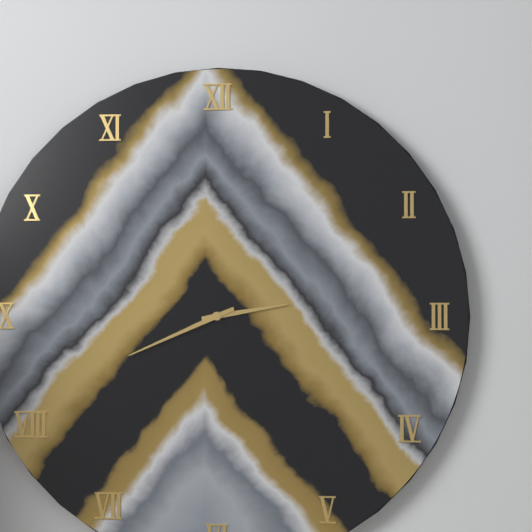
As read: h=2 m=41
